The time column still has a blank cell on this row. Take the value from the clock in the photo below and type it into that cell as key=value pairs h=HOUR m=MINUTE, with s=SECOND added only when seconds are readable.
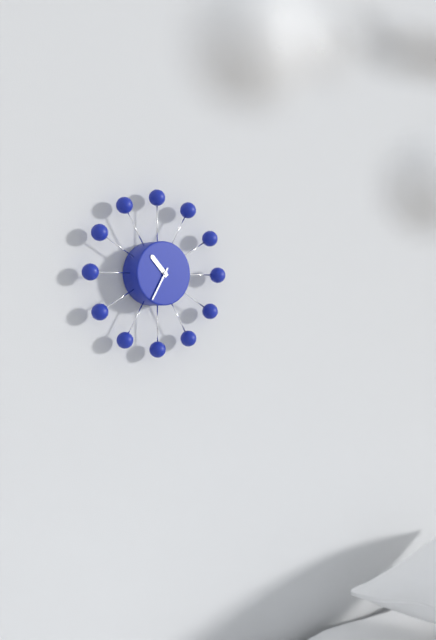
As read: h=10 m=35
